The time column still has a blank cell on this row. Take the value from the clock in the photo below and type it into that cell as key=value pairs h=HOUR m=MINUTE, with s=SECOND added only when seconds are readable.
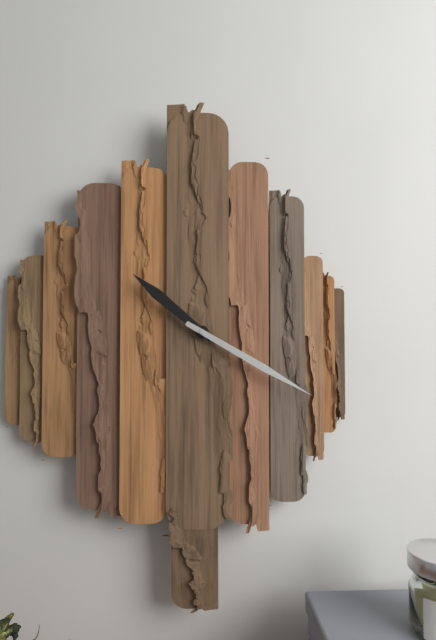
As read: h=10 m=20
